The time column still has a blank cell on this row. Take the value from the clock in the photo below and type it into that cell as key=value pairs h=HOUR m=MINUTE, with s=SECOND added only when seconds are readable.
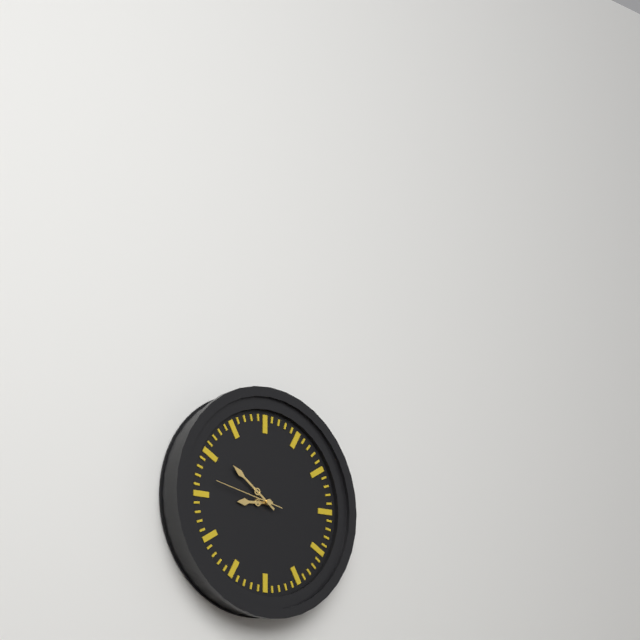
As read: h=8 m=51 s=47
